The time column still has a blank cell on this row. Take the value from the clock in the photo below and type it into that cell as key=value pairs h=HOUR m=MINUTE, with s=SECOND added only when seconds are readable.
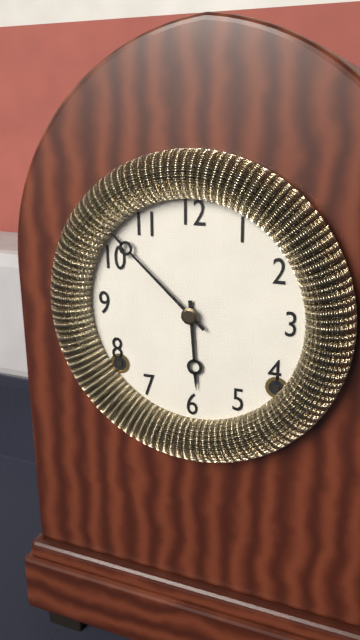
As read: h=5 m=52
